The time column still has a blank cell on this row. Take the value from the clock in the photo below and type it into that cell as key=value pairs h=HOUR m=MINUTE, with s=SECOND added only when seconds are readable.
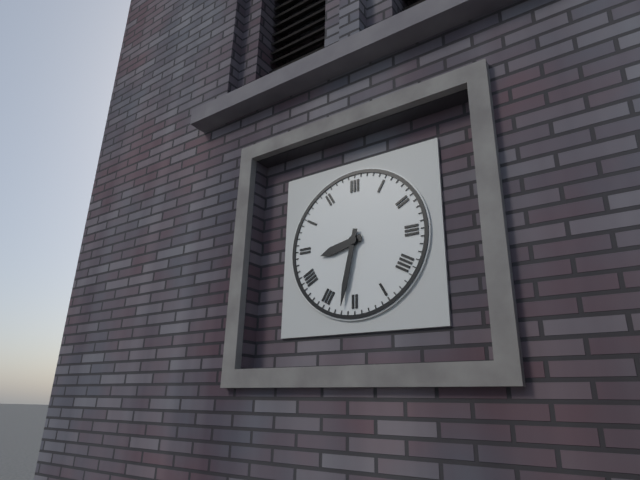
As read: h=8 m=32
